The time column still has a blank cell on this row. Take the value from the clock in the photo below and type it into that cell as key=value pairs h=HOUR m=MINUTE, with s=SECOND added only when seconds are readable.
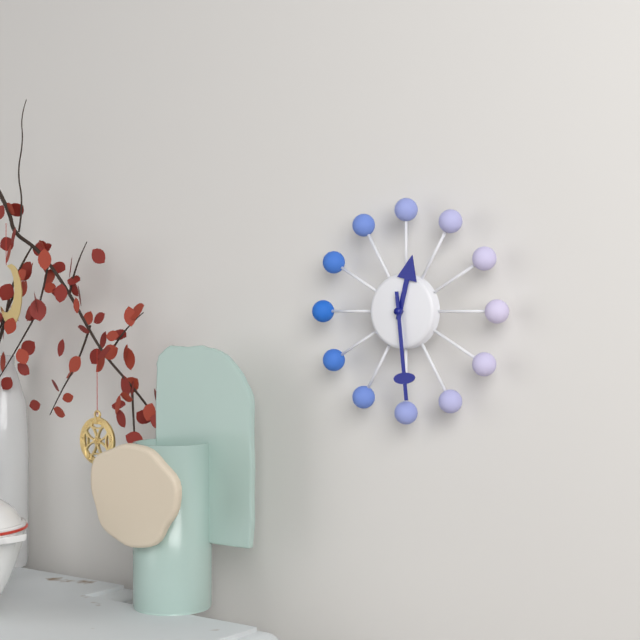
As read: h=12 m=29
